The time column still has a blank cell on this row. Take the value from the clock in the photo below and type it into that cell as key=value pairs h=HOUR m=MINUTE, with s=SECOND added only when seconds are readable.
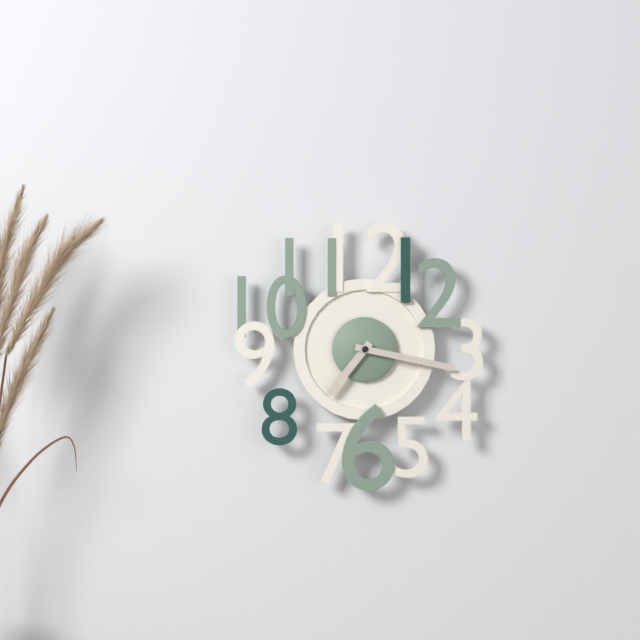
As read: h=7 m=17
